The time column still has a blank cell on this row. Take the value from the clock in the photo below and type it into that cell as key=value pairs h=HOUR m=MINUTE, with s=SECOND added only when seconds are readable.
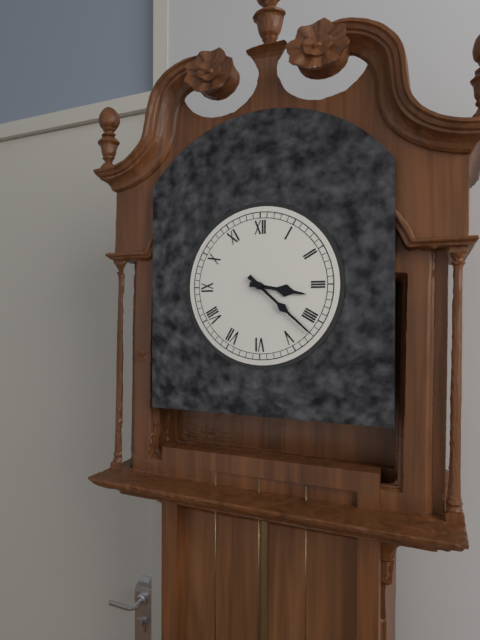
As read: h=3 m=22
